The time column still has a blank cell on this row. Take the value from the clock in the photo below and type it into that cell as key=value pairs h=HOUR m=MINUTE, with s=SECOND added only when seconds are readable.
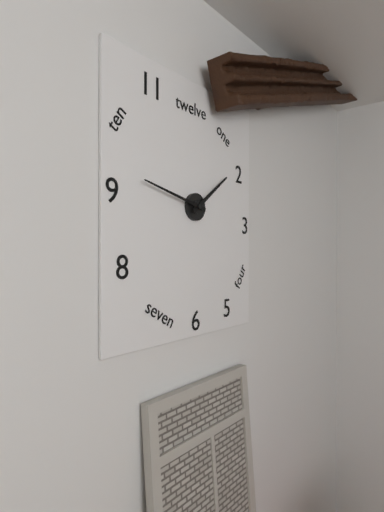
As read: h=1 m=47
